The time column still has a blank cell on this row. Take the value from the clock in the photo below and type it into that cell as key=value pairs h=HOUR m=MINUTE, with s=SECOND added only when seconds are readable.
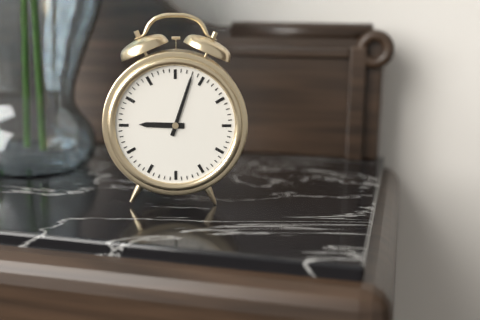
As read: h=9 m=3
